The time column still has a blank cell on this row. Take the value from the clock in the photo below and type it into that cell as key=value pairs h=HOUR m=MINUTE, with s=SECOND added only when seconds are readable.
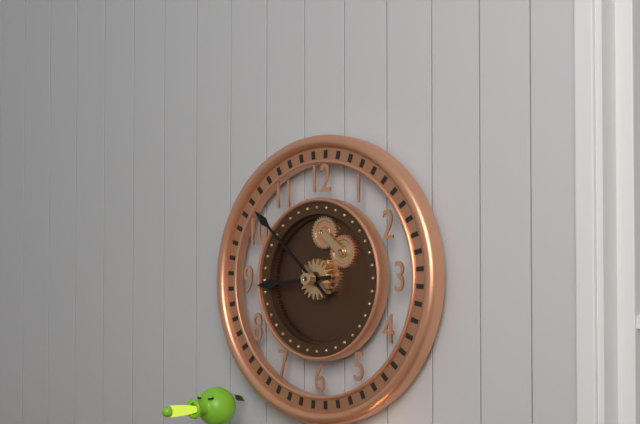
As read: h=8 m=52
